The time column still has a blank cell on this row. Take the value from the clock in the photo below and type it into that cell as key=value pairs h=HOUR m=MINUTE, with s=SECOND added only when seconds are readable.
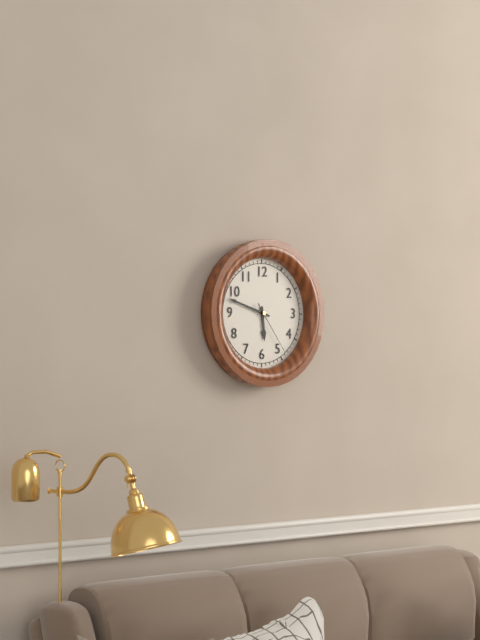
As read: h=5 m=48 s=24
